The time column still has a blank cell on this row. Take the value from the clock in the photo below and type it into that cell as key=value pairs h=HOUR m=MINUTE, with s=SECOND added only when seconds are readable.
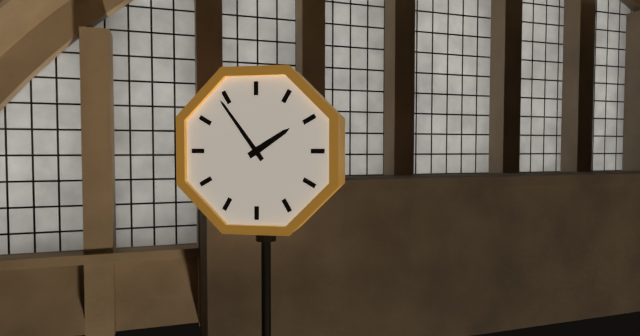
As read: h=1 m=54
